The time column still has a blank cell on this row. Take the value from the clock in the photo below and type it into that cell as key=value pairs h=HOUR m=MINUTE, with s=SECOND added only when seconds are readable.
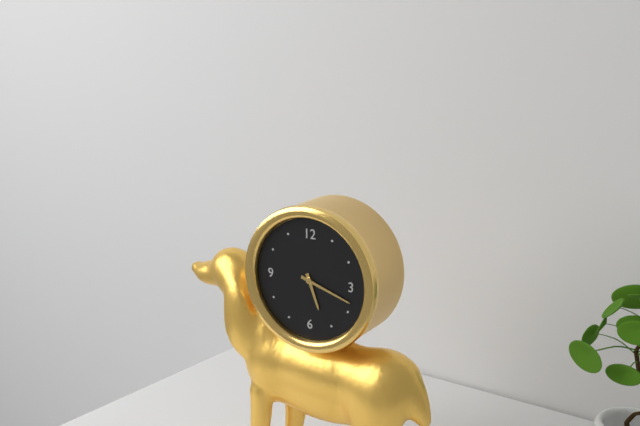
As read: h=5 m=18
